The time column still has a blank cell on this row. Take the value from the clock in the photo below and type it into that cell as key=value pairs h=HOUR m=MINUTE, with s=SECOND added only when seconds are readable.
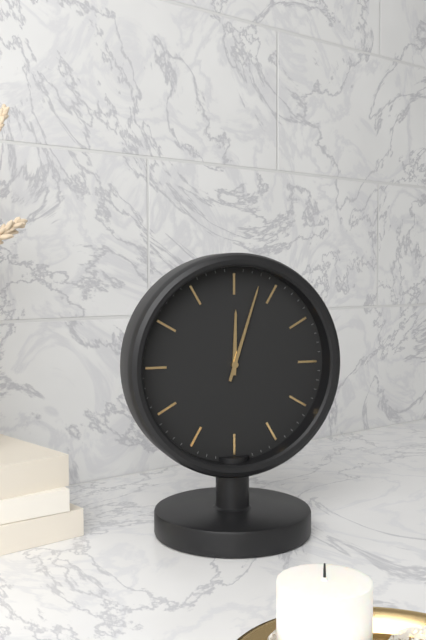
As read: h=12 m=3
